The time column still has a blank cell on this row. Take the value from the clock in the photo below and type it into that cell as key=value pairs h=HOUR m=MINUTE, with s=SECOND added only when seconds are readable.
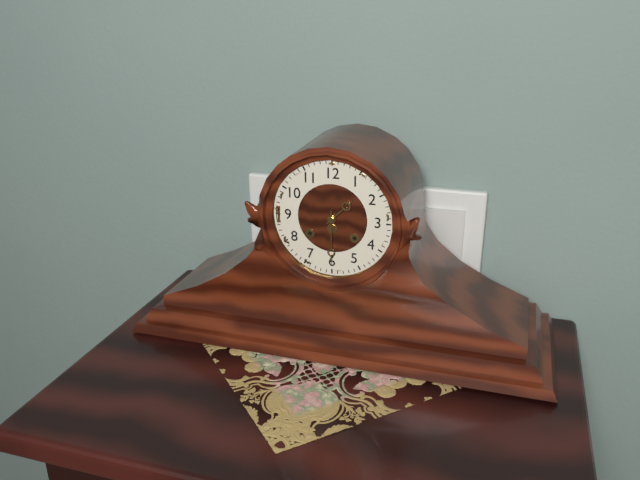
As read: h=1 m=30
